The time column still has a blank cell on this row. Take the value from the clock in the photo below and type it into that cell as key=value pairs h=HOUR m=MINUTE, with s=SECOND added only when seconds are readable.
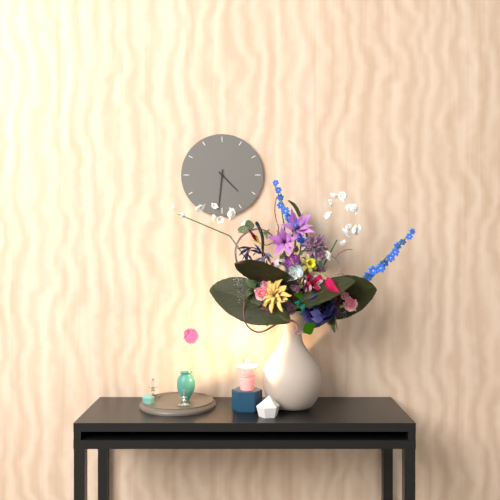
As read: h=4 m=31
